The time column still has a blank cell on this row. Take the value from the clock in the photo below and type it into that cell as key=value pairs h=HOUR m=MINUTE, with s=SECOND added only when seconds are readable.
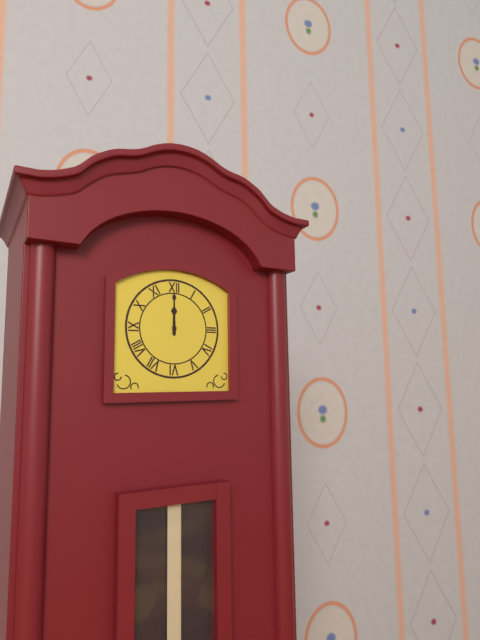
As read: h=12 m=0
